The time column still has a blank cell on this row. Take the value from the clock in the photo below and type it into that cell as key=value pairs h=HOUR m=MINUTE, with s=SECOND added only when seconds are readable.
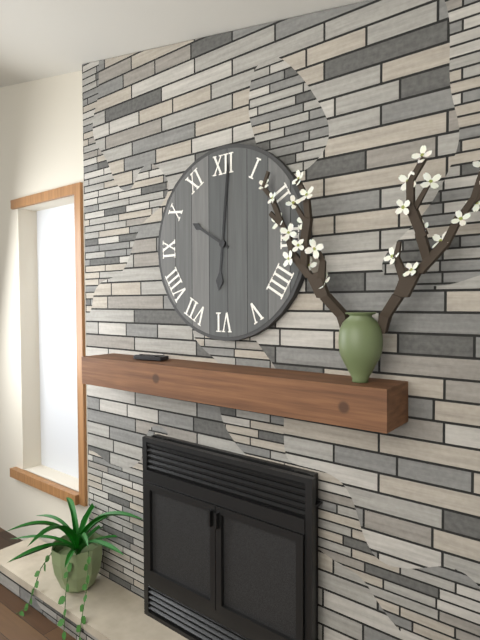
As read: h=10 m=1
